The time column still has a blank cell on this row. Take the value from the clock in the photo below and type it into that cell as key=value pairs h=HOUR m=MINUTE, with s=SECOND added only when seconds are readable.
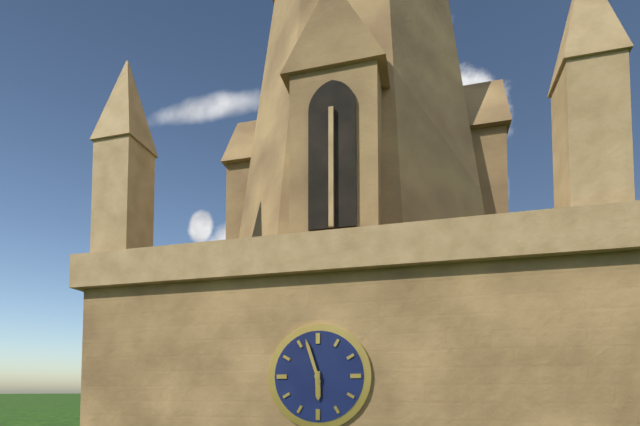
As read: h=5 m=57
